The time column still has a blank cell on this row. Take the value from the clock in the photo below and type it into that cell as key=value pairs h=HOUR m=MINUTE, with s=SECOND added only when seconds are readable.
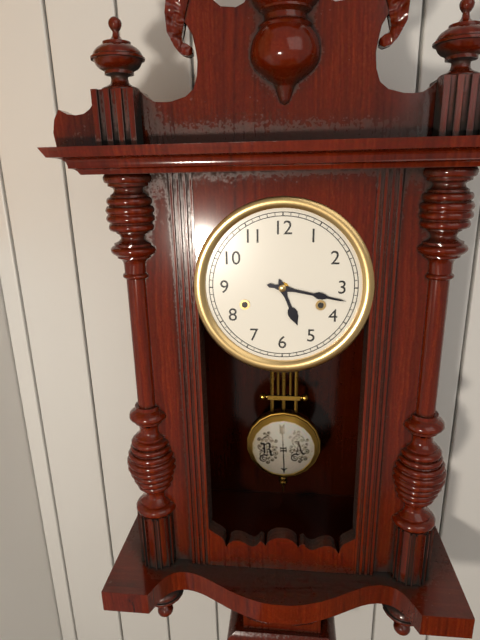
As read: h=5 m=17
